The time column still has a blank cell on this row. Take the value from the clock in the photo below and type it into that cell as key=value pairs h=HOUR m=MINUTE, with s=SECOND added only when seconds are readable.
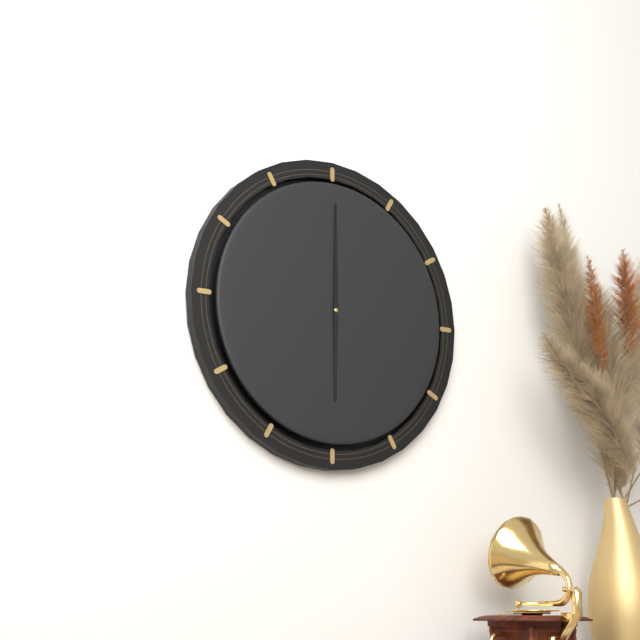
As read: h=6 m=0
